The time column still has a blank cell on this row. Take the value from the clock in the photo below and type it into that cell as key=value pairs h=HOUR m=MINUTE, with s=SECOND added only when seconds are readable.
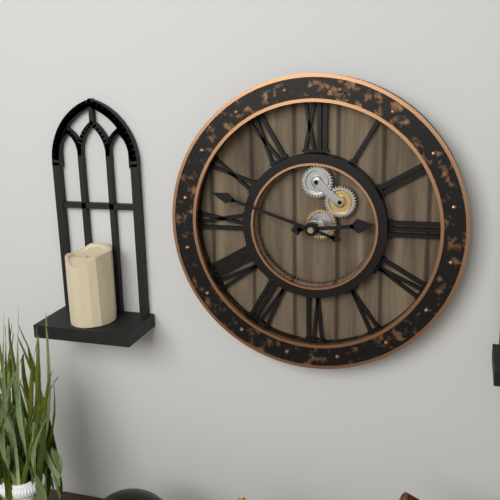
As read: h=2 m=48
